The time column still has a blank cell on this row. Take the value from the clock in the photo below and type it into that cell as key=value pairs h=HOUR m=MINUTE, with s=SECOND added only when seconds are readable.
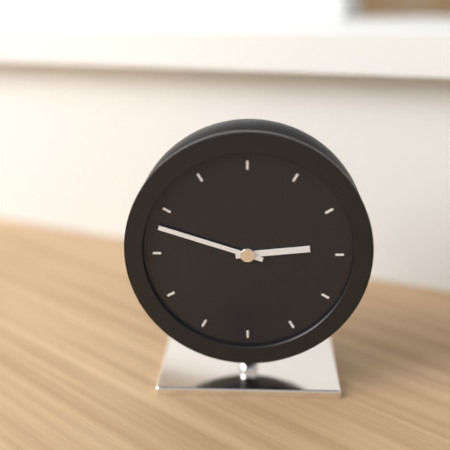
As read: h=2 m=48
